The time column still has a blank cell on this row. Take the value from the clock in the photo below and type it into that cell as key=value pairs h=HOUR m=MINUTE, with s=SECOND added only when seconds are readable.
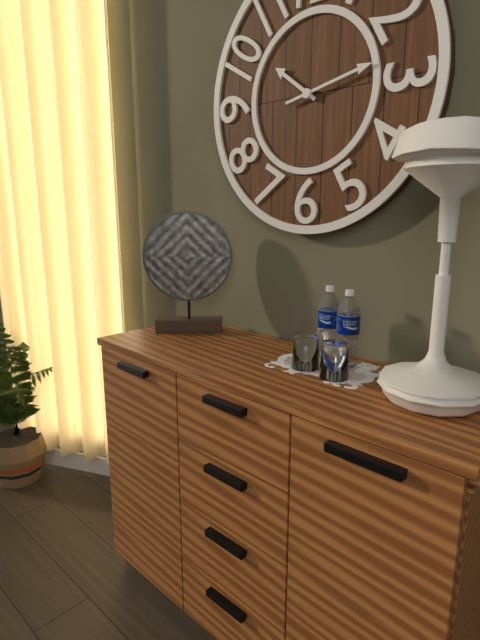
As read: h=10 m=13
